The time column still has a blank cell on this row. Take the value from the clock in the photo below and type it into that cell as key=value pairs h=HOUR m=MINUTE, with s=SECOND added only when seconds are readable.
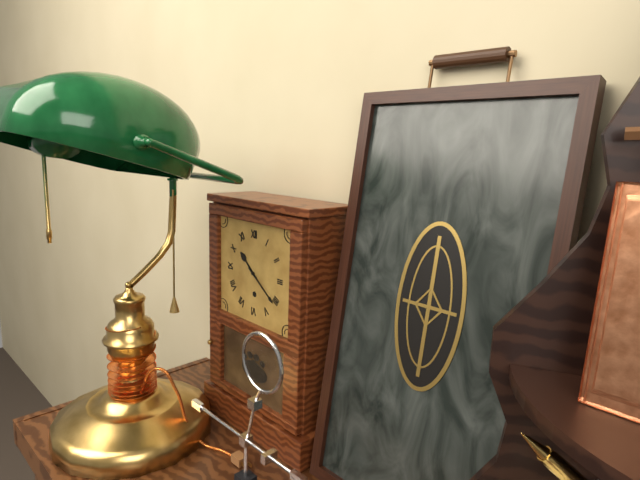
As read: h=10 m=21
